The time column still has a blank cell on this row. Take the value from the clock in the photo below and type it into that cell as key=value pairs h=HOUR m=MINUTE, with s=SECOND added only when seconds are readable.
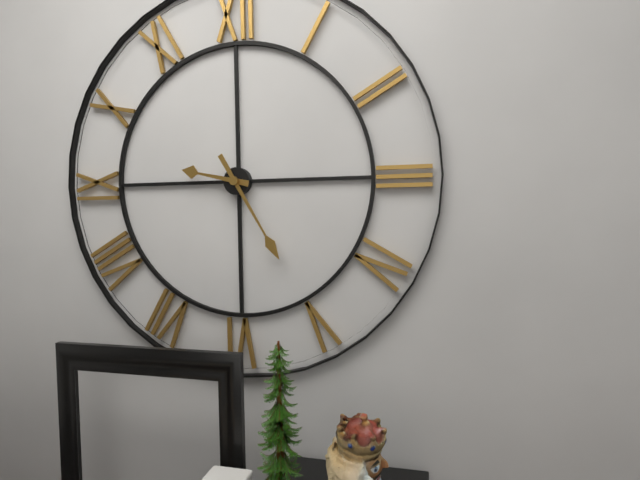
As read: h=9 m=25
